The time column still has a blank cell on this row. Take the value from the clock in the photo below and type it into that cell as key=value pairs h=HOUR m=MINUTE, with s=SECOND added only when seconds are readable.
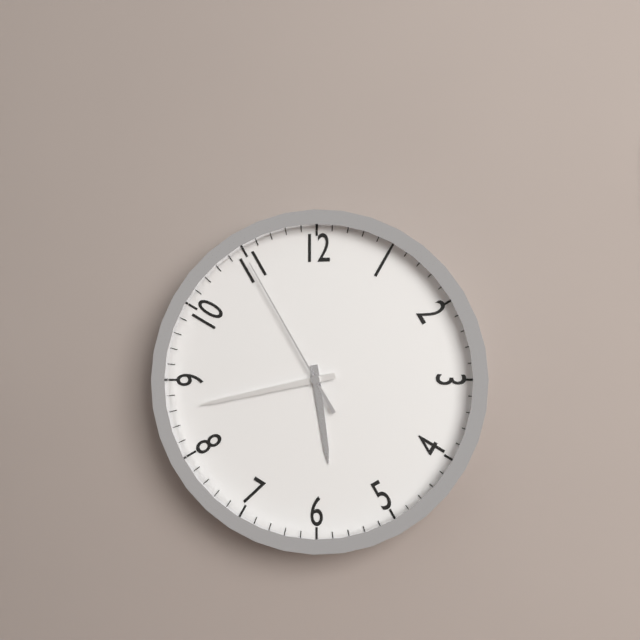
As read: h=5 m=43 s=55
